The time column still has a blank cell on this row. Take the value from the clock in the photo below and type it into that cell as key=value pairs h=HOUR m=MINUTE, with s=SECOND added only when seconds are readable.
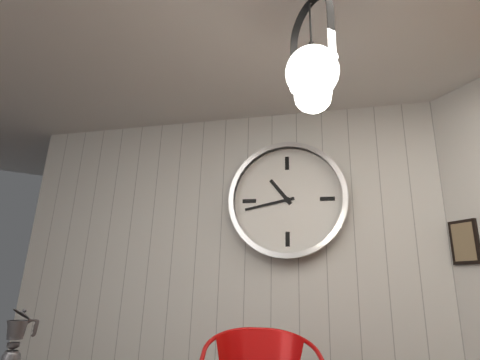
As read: h=10 m=43
